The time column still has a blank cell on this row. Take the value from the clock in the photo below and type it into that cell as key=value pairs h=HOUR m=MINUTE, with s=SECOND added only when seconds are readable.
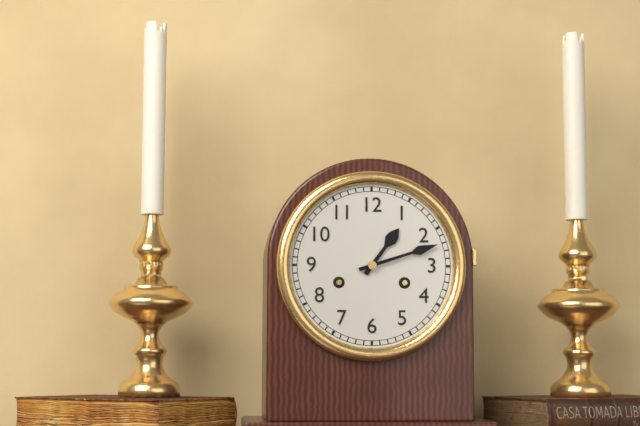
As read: h=1 m=12
